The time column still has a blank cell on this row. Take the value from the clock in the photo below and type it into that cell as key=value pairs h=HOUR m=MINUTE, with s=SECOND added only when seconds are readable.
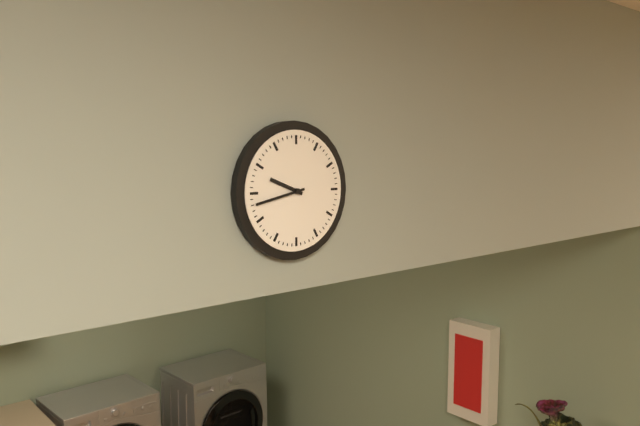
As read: h=9 m=43
